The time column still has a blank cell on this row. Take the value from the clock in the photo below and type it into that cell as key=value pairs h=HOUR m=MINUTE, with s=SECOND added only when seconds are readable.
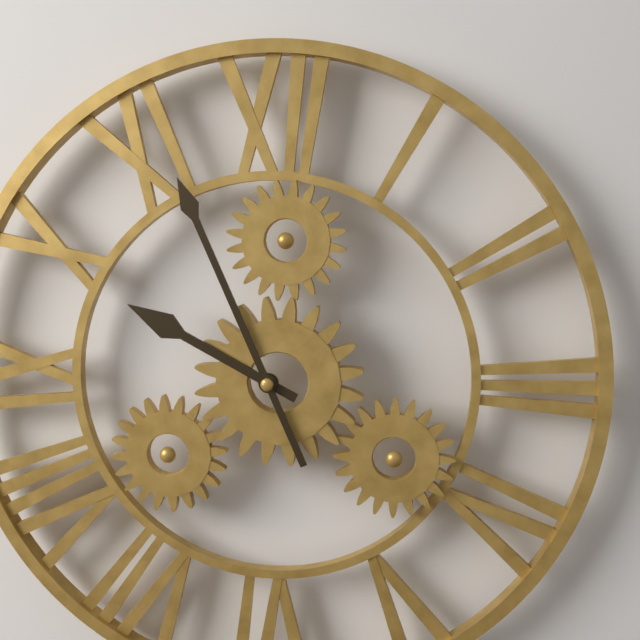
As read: h=9 m=56
